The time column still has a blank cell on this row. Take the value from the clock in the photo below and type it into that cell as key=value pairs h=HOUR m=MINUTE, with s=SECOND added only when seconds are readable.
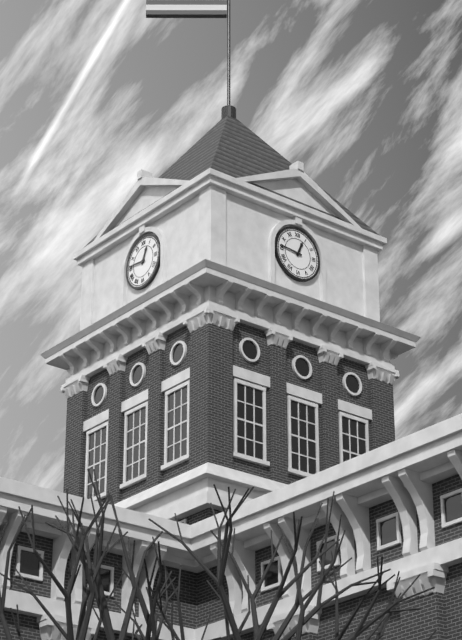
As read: h=12 m=46
